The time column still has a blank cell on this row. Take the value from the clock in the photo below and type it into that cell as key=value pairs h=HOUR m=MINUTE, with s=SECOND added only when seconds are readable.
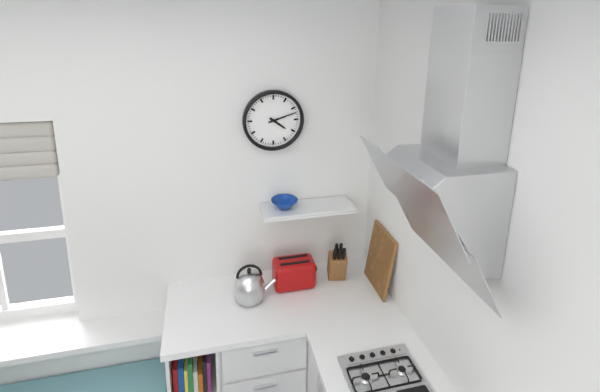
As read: h=4 m=12
